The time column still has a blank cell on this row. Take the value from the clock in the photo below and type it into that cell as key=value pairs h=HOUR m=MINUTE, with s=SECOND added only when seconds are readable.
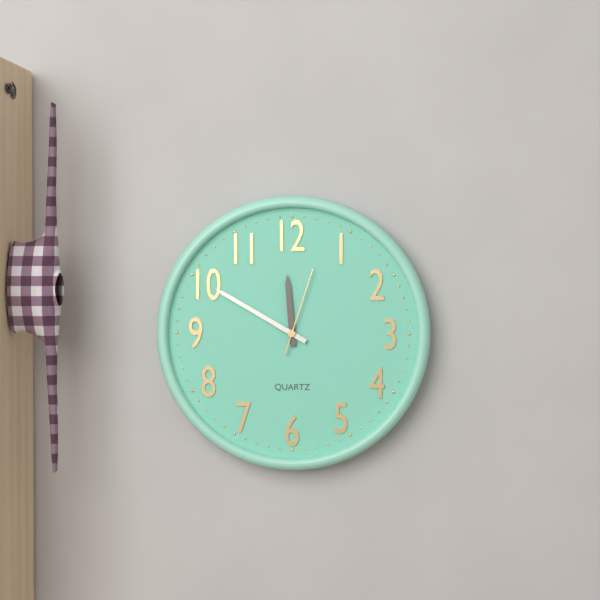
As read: h=11 m=50 s=3
